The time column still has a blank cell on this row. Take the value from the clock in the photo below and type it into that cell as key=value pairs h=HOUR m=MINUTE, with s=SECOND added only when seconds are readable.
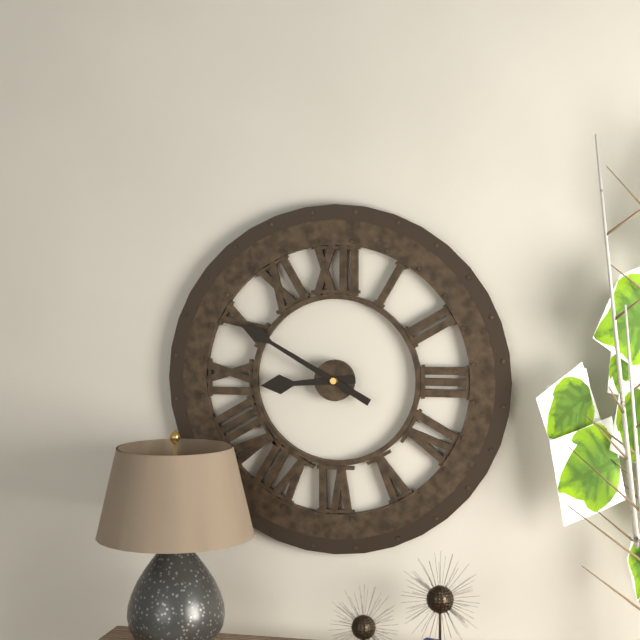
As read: h=8 m=50
